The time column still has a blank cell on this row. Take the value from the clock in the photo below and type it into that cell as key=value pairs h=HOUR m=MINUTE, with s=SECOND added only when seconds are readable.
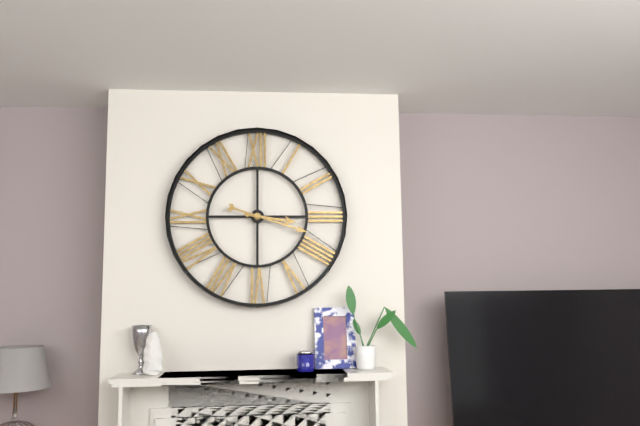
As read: h=3 m=18
